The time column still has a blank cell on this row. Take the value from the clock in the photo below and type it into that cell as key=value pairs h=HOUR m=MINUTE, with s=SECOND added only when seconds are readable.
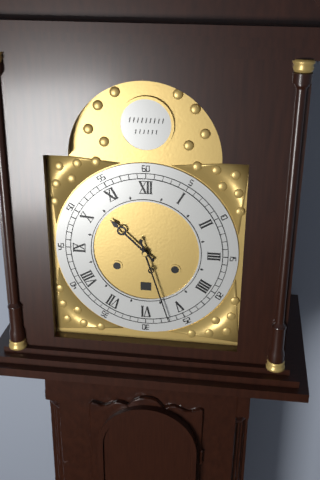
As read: h=10 m=27
